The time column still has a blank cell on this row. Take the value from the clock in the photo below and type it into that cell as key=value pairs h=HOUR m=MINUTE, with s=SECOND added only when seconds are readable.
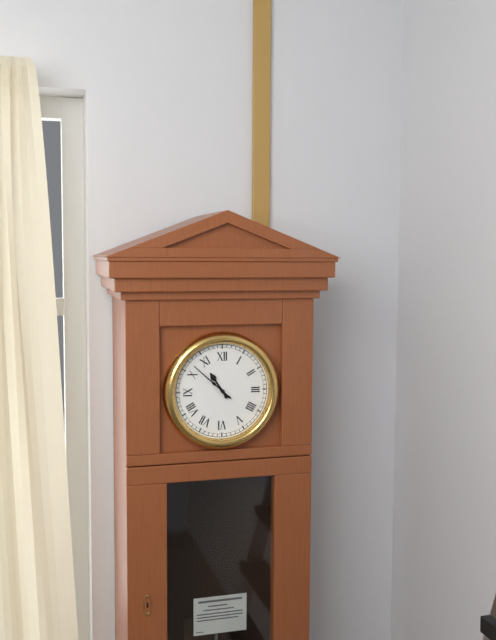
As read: h=10 m=52
